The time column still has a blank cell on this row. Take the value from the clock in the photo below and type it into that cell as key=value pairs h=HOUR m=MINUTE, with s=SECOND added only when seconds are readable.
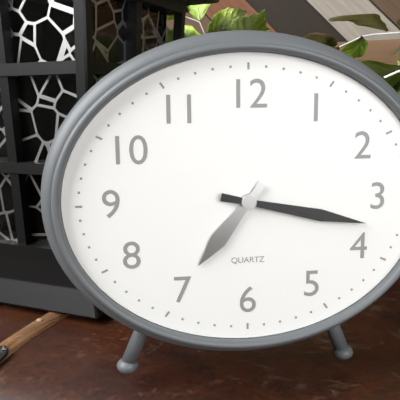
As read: h=7 m=17
